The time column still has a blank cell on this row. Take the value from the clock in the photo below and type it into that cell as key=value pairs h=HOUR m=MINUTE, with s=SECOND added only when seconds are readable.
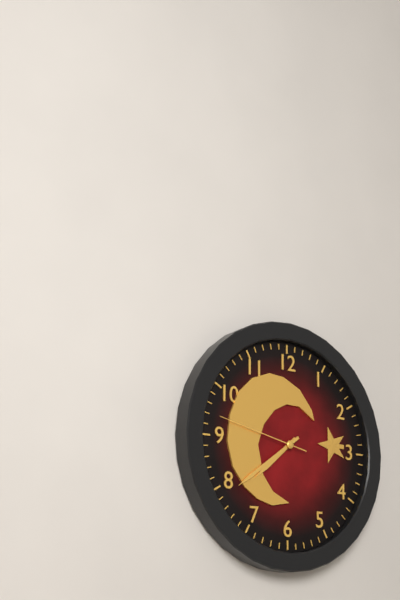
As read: h=7 m=39 s=47
